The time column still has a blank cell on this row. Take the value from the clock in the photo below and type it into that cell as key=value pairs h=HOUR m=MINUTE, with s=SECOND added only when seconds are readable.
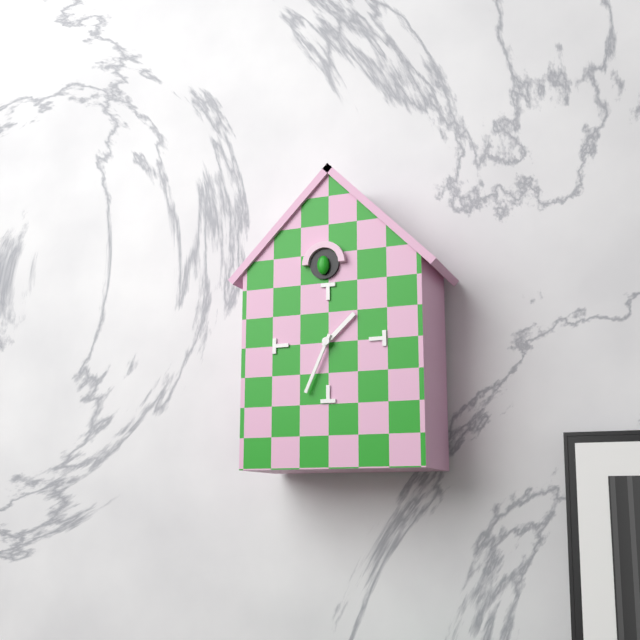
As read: h=1 m=34
